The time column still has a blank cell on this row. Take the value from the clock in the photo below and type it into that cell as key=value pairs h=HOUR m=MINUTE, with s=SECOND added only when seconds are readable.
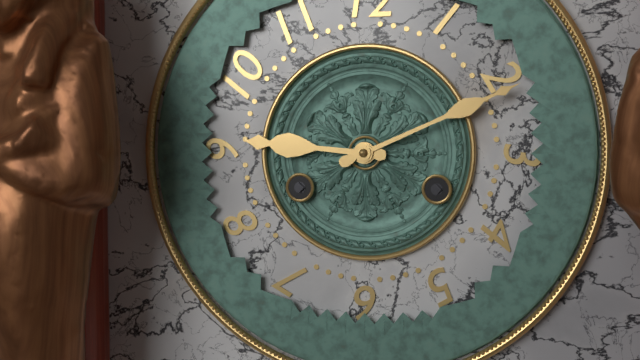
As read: h=9 m=11
